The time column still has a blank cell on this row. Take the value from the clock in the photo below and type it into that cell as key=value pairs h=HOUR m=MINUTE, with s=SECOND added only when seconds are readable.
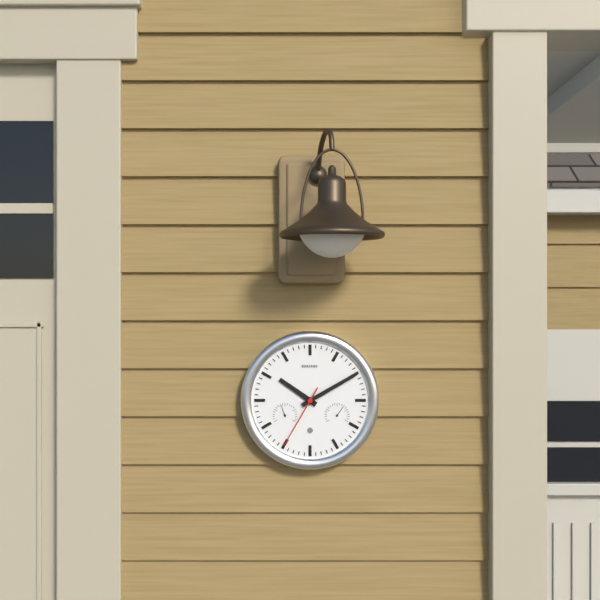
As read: h=10 m=10 s=35
